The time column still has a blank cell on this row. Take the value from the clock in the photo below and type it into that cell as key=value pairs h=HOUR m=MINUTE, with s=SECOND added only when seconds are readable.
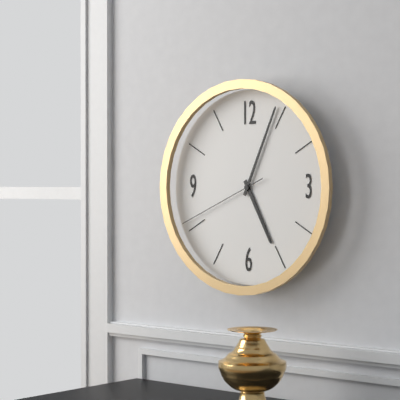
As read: h=5 m=4 s=41
